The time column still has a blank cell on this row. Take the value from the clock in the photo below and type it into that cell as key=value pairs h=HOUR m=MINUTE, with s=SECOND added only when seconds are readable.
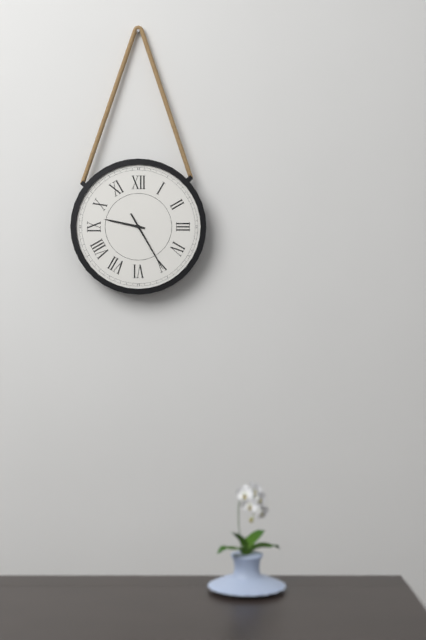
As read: h=9 m=25
